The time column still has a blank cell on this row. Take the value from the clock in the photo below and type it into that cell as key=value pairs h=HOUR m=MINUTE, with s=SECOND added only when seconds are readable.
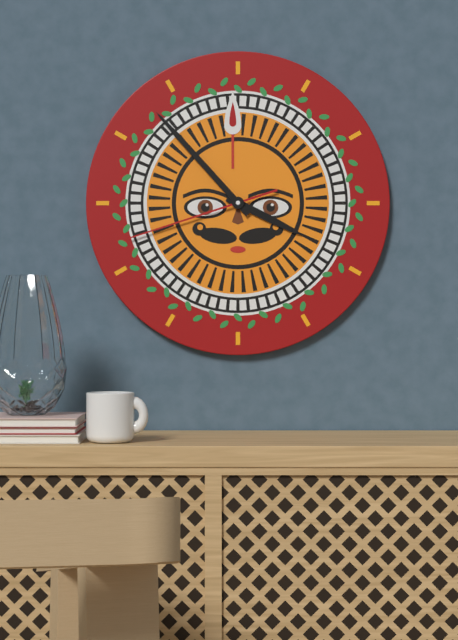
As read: h=3 m=53 s=42
